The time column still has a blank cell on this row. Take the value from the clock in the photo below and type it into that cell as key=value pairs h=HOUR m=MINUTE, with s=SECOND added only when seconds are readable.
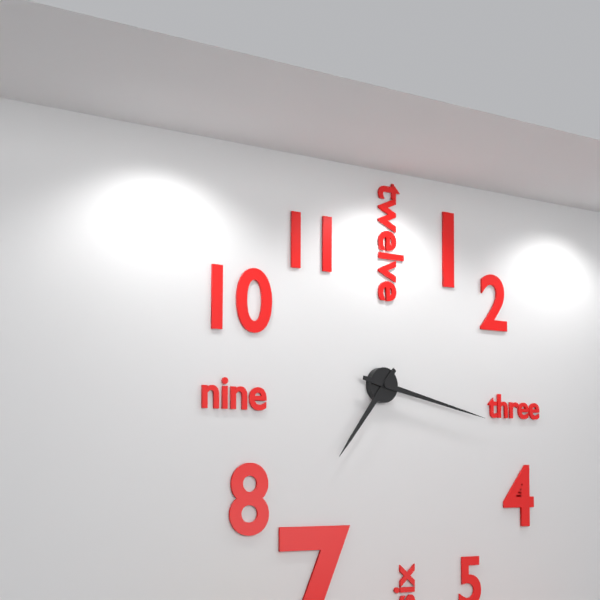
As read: h=7 m=17
